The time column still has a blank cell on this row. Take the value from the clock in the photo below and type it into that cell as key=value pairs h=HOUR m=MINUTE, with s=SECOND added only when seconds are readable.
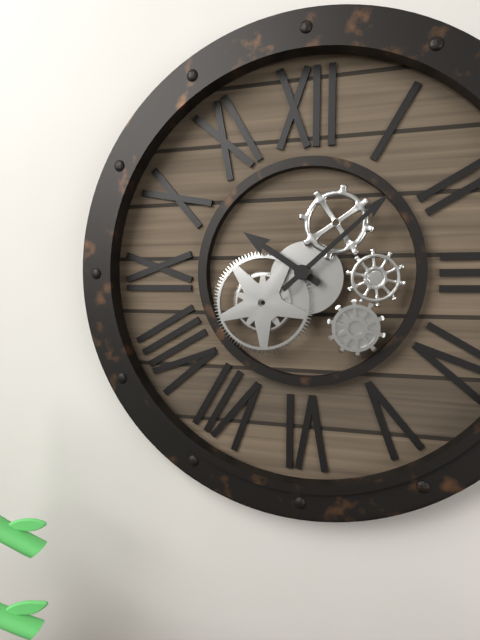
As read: h=10 m=8
